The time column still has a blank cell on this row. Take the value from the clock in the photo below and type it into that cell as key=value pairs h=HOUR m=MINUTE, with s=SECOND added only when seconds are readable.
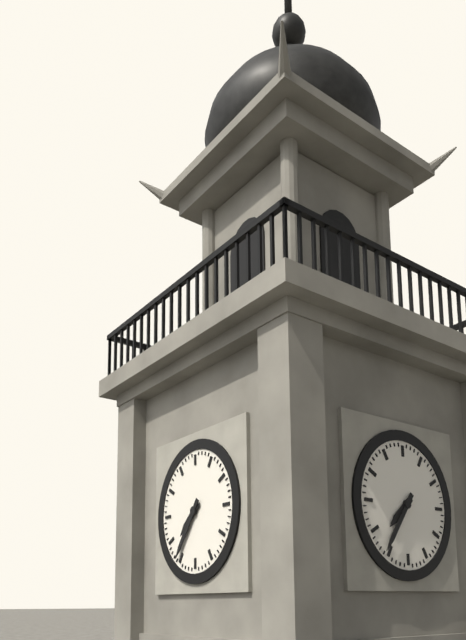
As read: h=7 m=36
